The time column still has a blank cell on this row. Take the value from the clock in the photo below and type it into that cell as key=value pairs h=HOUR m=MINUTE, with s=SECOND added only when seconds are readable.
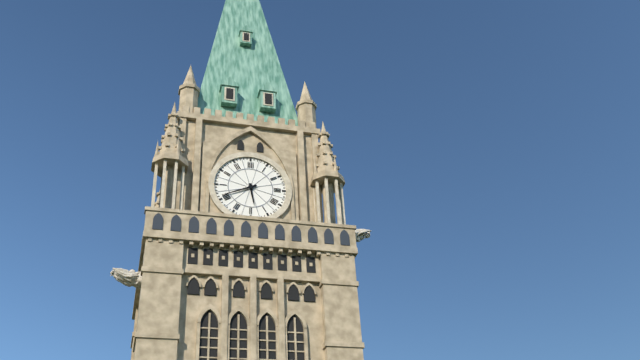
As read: h=5 m=41
